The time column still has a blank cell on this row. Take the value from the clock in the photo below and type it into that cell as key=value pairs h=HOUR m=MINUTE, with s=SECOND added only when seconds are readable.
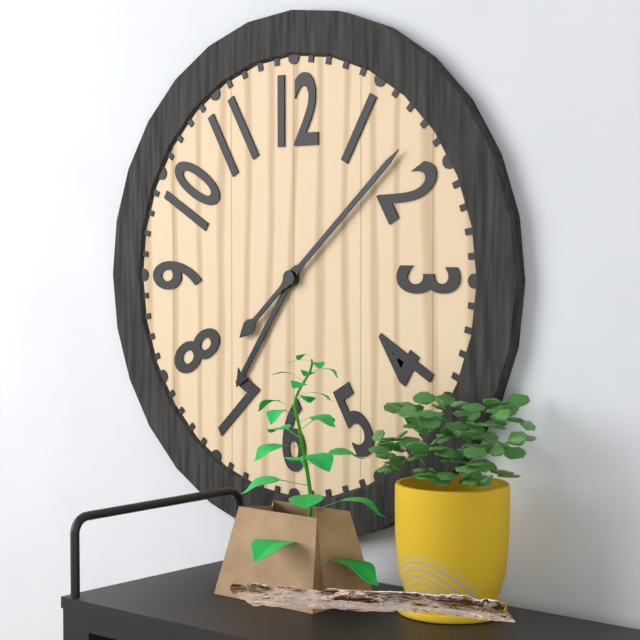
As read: h=7 m=8
